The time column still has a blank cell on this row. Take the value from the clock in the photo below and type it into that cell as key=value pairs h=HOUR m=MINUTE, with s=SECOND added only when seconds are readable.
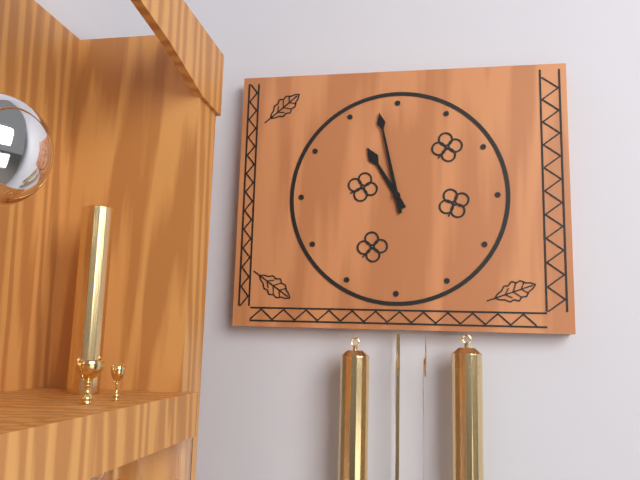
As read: h=10 m=58
